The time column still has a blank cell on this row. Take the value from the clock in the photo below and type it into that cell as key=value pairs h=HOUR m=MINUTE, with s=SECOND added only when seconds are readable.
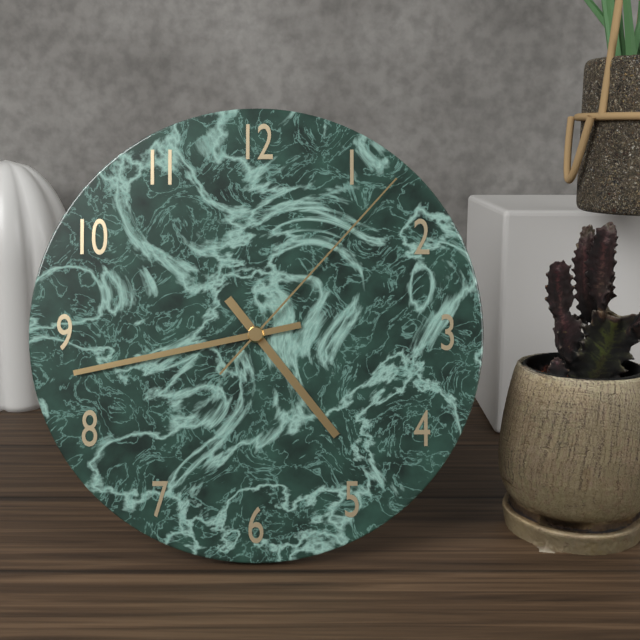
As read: h=4 m=43 s=7
